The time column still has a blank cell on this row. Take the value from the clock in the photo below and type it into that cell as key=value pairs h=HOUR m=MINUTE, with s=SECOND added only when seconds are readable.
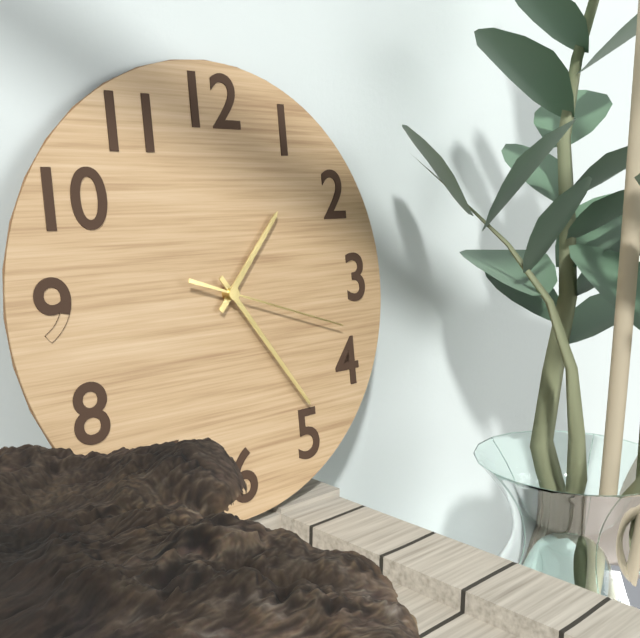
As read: h=1 m=24 s=18
